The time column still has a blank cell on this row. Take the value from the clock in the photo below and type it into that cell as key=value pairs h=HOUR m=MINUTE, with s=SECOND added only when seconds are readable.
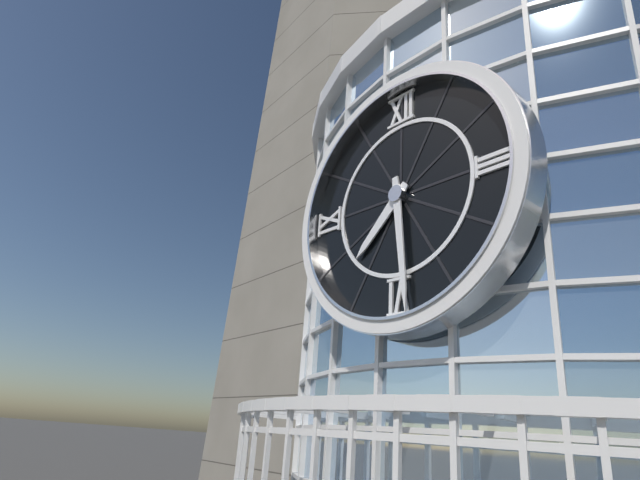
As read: h=7 m=29
